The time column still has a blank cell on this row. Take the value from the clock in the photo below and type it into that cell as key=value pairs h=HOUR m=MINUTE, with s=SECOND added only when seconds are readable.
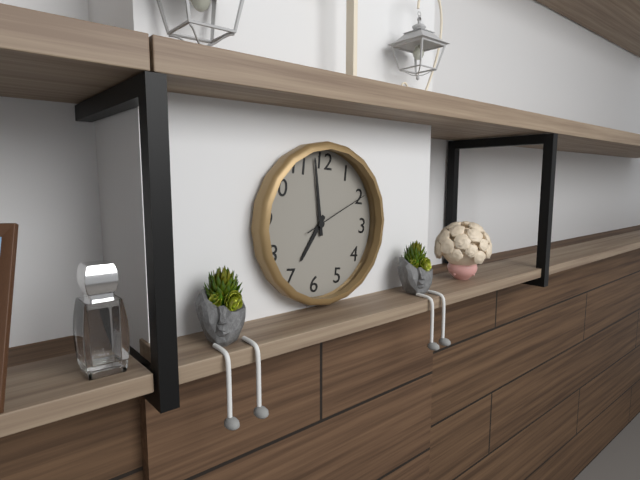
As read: h=6 m=58 s=10
